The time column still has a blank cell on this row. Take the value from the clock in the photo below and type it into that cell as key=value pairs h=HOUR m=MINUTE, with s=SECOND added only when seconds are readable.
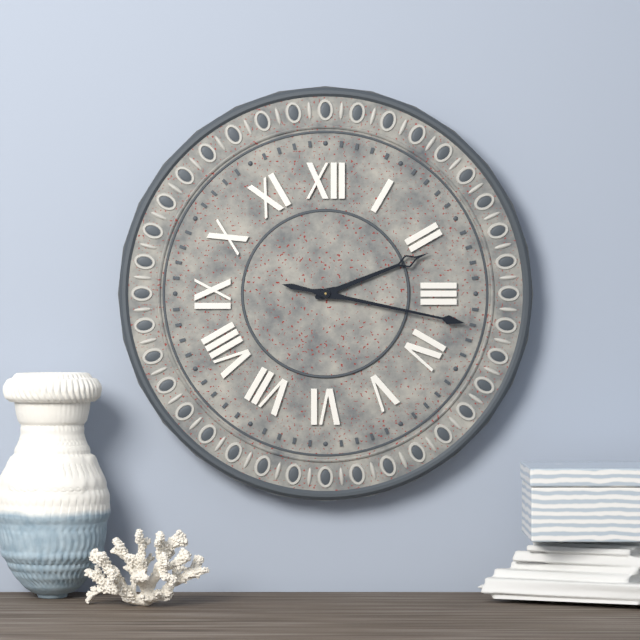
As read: h=2 m=17
